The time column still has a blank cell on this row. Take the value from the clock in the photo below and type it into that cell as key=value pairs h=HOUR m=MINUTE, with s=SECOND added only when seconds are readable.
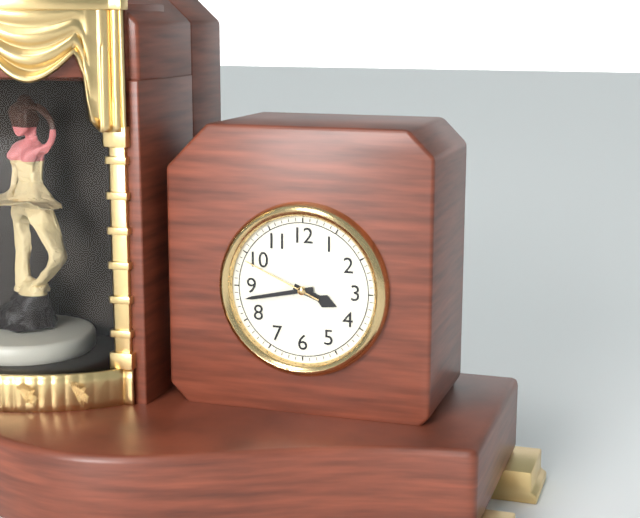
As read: h=3 m=43 s=49
